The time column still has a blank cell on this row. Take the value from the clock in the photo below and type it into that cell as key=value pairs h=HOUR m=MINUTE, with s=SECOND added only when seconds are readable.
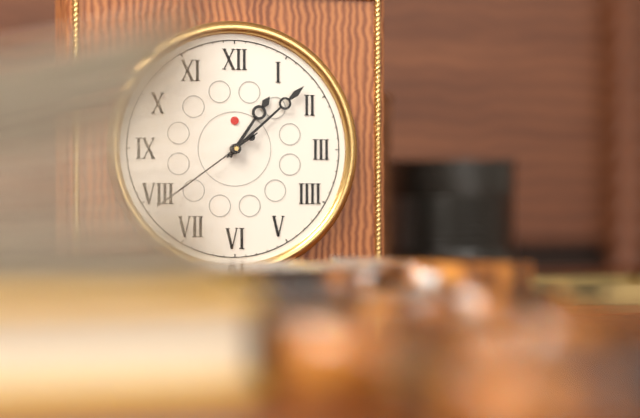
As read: h=1 m=8 s=39
